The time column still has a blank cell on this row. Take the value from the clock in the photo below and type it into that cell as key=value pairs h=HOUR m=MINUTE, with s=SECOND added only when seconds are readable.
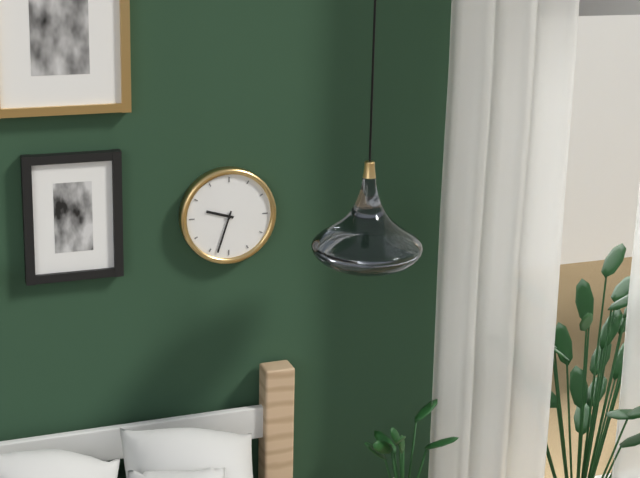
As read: h=9 m=33
